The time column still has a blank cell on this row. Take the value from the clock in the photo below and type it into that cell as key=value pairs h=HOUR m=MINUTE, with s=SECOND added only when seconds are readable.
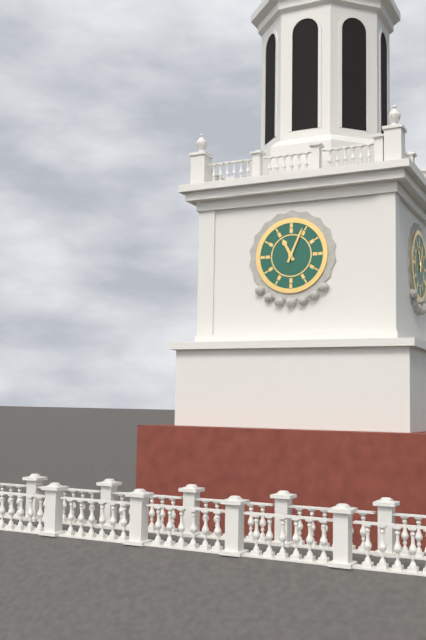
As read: h=11 m=4
